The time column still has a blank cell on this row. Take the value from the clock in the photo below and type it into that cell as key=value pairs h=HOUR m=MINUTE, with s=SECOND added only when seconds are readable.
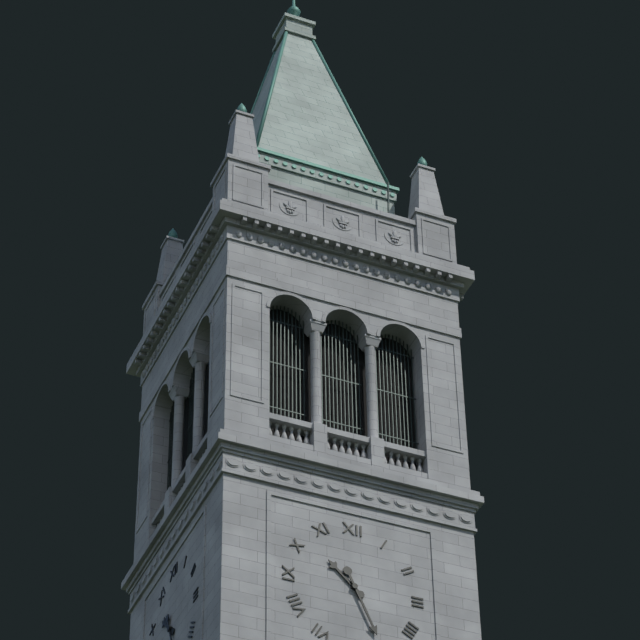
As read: h=10 m=26
